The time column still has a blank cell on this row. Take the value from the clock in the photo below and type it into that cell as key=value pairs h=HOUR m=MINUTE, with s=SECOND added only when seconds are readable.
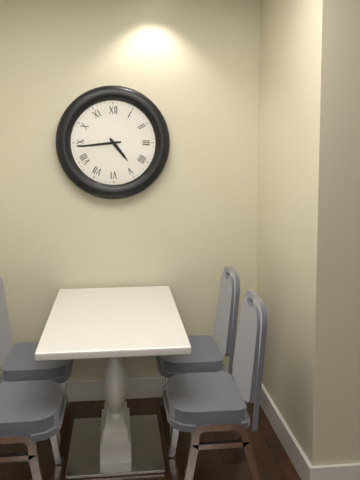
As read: h=4 m=44
